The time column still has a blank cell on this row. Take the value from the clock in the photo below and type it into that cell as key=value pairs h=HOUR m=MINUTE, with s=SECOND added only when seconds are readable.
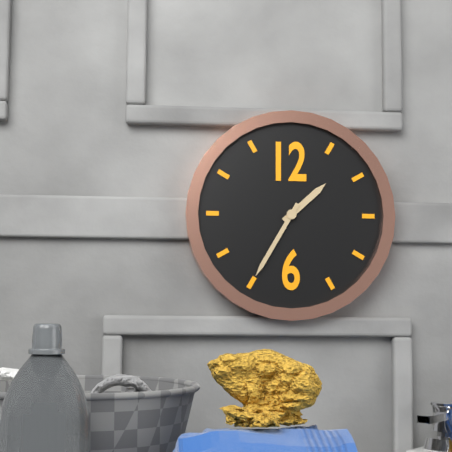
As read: h=1 m=35
